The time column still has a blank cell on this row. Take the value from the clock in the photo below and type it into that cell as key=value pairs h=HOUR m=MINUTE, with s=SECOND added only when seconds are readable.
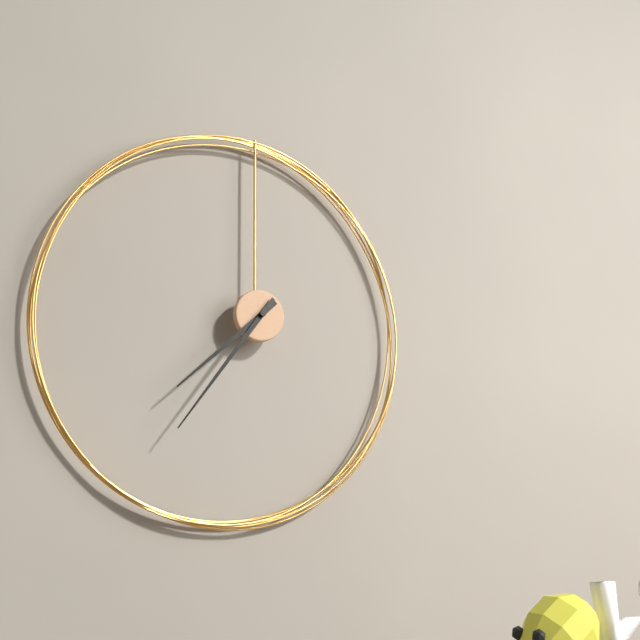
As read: h=7 m=36
